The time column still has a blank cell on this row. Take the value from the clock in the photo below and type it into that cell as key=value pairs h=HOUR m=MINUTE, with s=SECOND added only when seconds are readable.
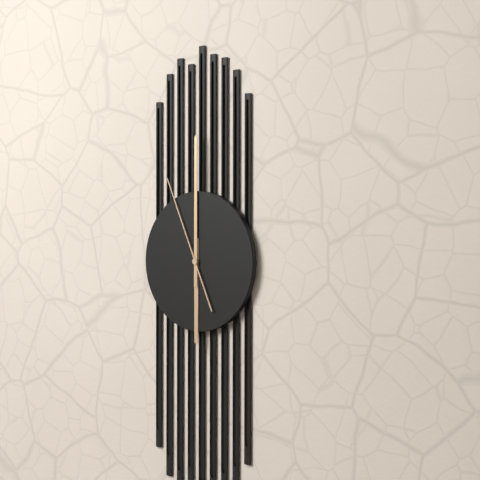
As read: h=6 m=0 s=56
